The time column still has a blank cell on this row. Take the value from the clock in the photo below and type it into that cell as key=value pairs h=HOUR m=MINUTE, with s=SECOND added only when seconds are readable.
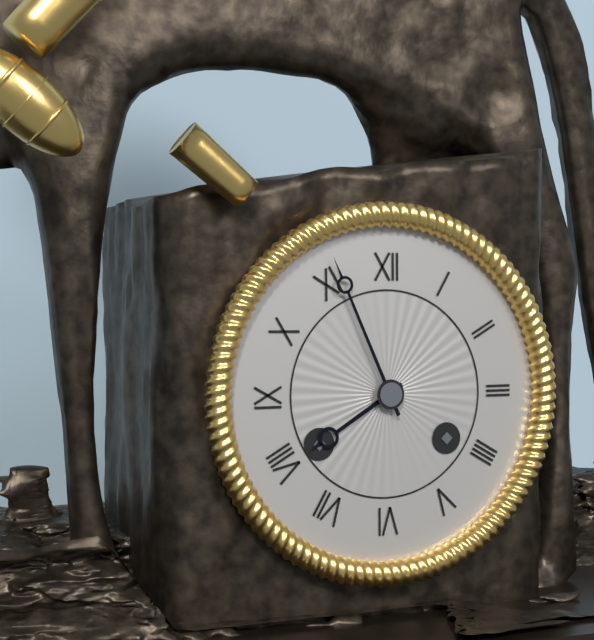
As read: h=7 m=56
